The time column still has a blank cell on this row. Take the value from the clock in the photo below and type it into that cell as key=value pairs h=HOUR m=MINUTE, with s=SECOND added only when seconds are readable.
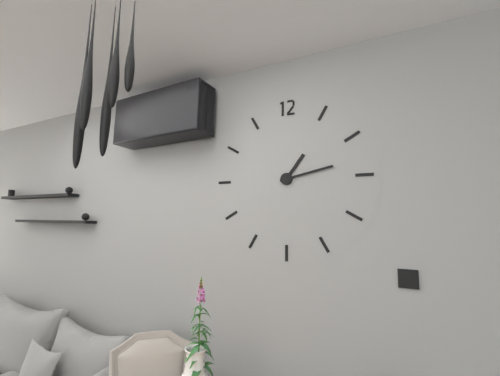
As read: h=1 m=13
